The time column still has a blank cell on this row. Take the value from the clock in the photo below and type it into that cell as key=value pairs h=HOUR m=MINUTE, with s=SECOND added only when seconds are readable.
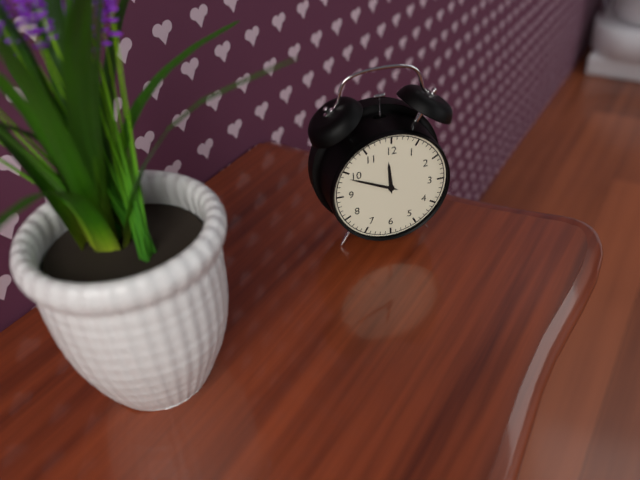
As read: h=11 m=49
